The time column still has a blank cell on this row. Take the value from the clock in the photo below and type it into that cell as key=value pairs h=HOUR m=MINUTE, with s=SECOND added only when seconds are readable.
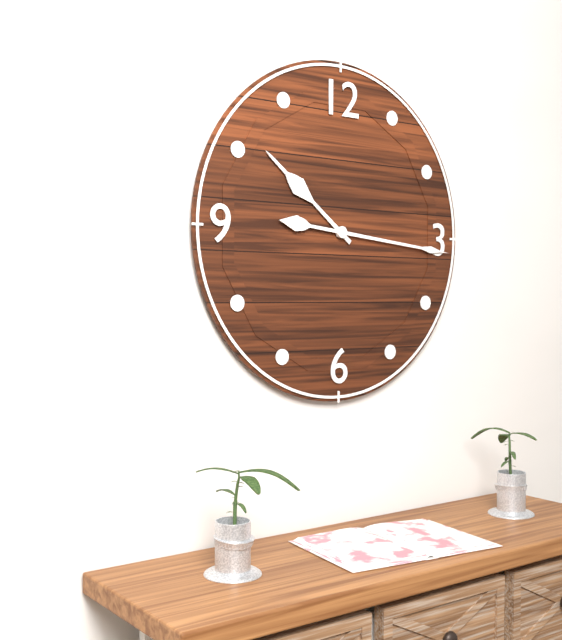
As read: h=10 m=16
